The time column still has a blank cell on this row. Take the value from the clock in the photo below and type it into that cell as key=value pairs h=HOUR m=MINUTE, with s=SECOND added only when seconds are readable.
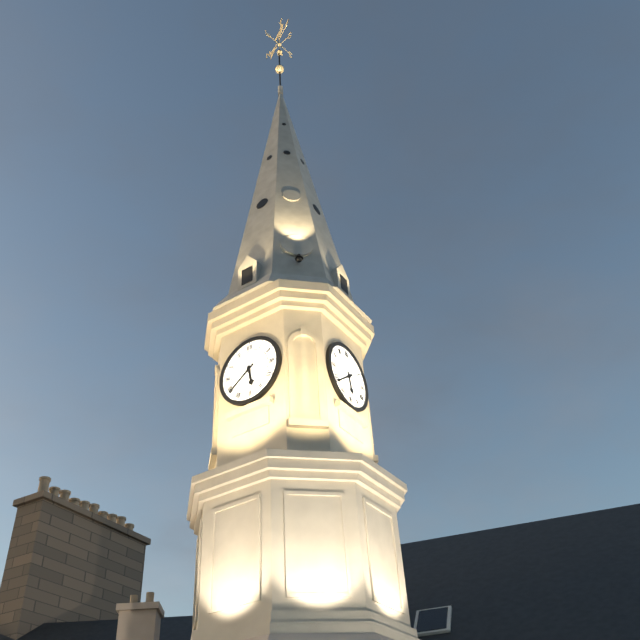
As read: h=5 m=39
